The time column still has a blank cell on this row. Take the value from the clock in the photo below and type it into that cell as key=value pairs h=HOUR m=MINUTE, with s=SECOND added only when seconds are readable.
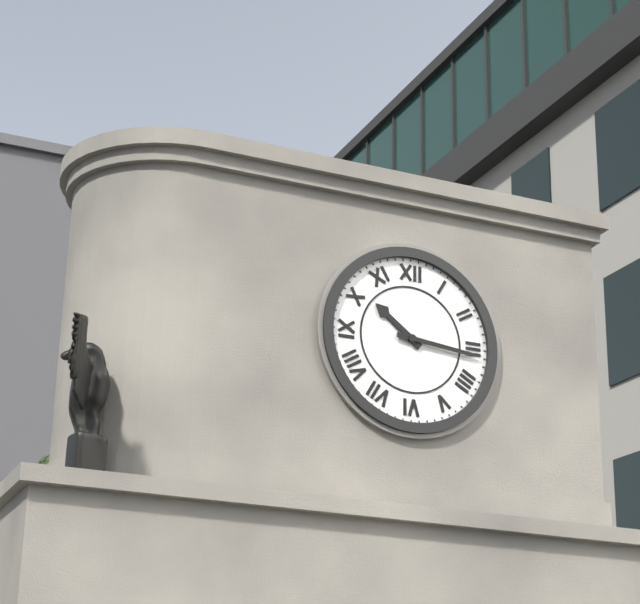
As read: h=10 m=16
